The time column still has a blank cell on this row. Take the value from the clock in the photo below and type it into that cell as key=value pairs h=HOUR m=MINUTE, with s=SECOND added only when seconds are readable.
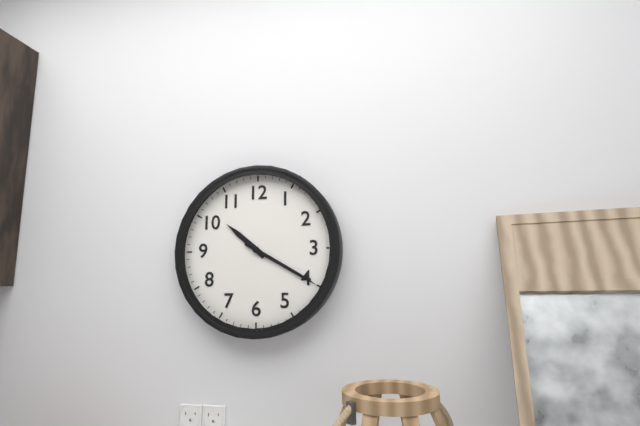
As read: h=10 m=20
